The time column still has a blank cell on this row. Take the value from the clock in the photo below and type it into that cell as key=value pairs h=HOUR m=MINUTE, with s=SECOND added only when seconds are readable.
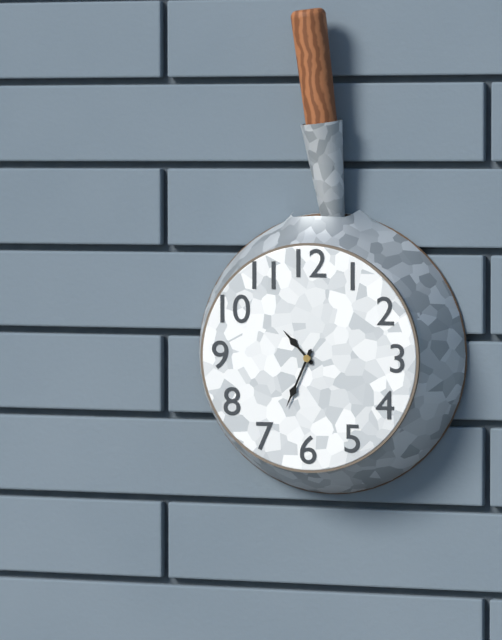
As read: h=10 m=34
